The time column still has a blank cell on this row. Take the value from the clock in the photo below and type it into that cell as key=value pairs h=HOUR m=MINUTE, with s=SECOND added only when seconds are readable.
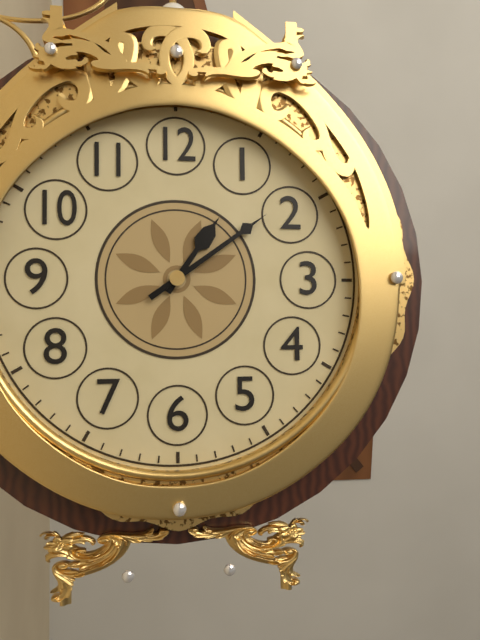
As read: h=1 m=9
